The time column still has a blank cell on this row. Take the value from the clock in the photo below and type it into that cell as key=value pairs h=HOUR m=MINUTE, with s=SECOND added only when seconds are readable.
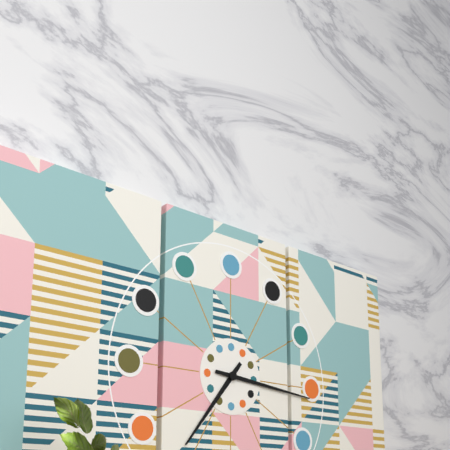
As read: h=7 m=16
